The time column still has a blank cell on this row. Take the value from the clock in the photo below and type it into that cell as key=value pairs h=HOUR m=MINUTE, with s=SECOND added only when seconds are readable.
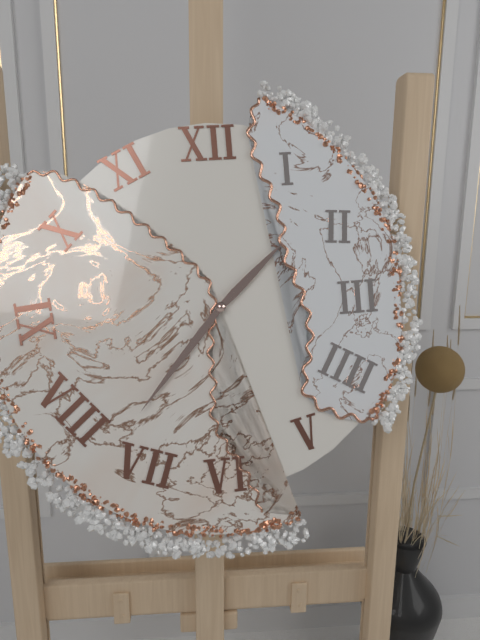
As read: h=1 m=37
